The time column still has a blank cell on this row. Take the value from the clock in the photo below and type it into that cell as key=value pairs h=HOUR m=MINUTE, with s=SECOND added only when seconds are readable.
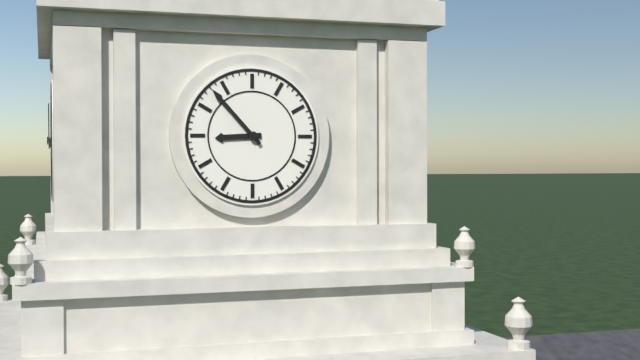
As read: h=8 m=53
